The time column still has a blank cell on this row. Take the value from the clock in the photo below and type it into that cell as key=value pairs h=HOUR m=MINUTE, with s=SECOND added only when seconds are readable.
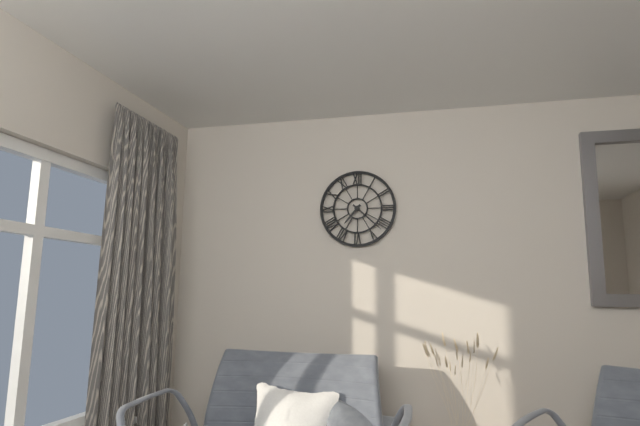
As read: h=7 m=22
